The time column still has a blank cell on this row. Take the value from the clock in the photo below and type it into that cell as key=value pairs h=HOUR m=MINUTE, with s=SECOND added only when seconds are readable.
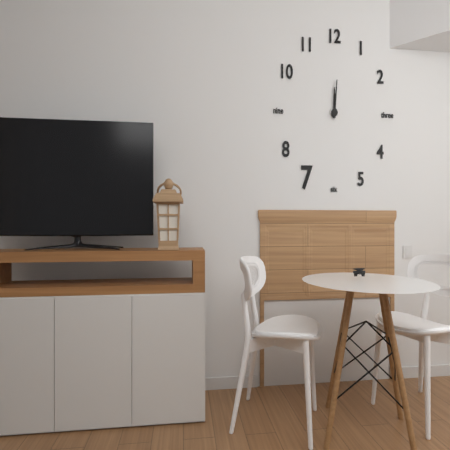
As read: h=12 m=1
